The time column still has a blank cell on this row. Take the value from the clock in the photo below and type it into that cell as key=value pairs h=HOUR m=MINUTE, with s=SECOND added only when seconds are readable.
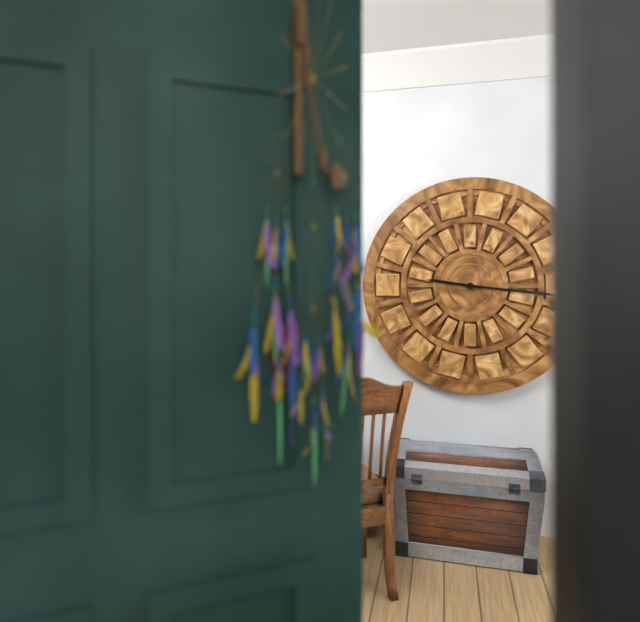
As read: h=9 m=16
